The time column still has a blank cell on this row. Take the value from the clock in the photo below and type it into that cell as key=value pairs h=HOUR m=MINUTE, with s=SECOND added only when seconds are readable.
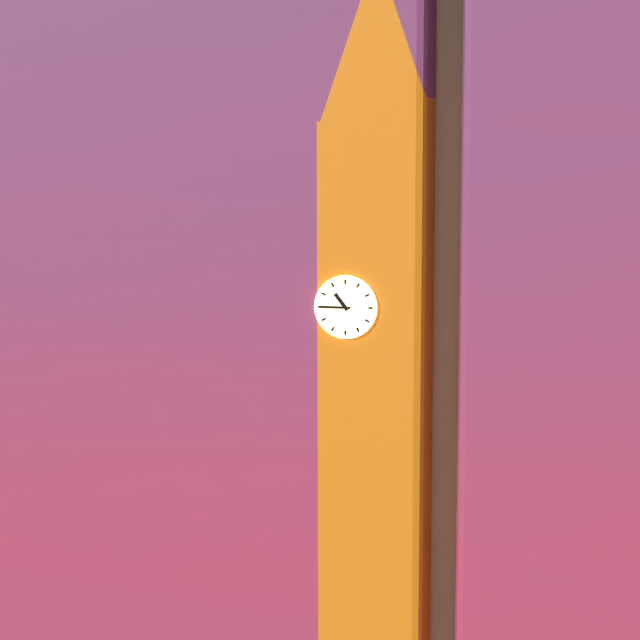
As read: h=10 m=45
